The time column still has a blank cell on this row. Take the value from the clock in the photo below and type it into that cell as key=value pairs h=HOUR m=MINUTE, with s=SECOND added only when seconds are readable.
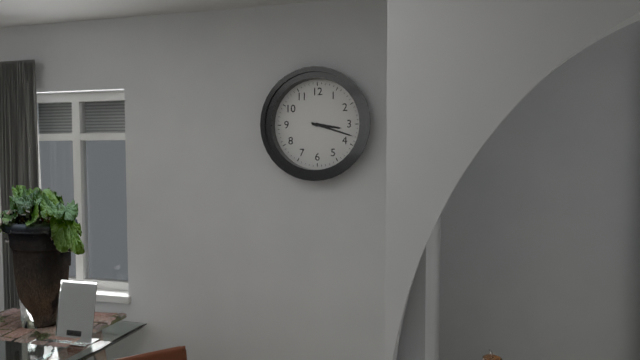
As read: h=3 m=18
